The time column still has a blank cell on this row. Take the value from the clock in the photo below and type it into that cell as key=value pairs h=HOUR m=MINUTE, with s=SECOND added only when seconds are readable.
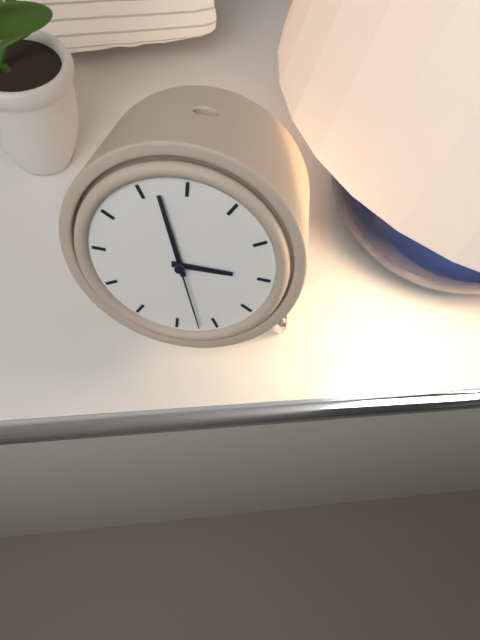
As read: h=2 m=57 s=27
